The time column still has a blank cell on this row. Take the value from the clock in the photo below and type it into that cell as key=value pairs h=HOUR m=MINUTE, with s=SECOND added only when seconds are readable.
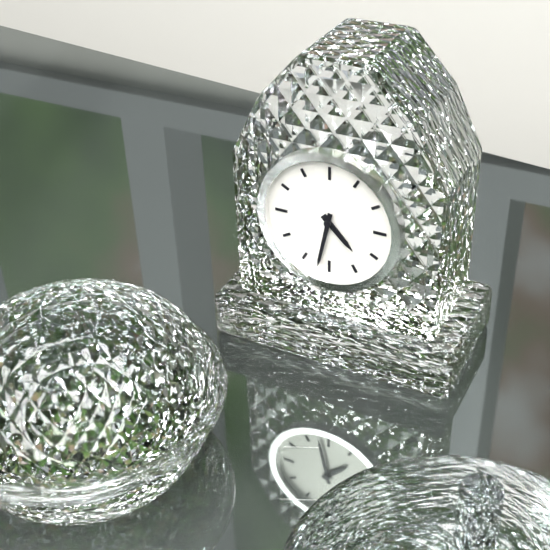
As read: h=4 m=32
